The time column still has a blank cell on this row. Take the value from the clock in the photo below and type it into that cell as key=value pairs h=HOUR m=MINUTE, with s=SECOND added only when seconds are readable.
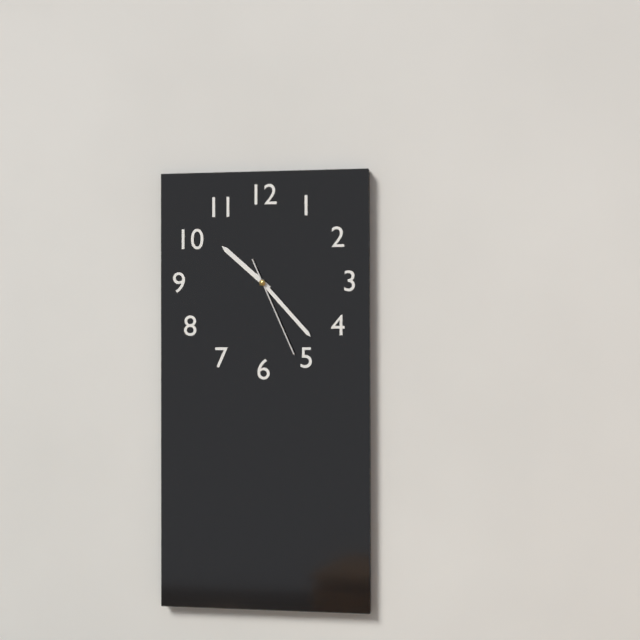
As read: h=10 m=23 s=26
